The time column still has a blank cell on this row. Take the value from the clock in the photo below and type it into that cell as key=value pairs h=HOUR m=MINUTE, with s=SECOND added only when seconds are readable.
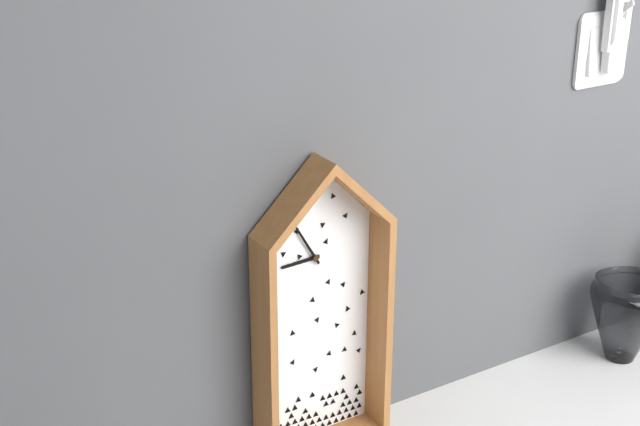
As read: h=8 m=55
